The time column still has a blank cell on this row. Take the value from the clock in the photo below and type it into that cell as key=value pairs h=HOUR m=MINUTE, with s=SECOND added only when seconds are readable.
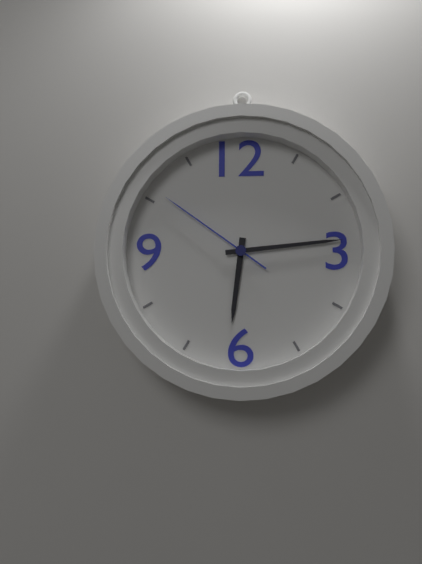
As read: h=6 m=14 s=51
